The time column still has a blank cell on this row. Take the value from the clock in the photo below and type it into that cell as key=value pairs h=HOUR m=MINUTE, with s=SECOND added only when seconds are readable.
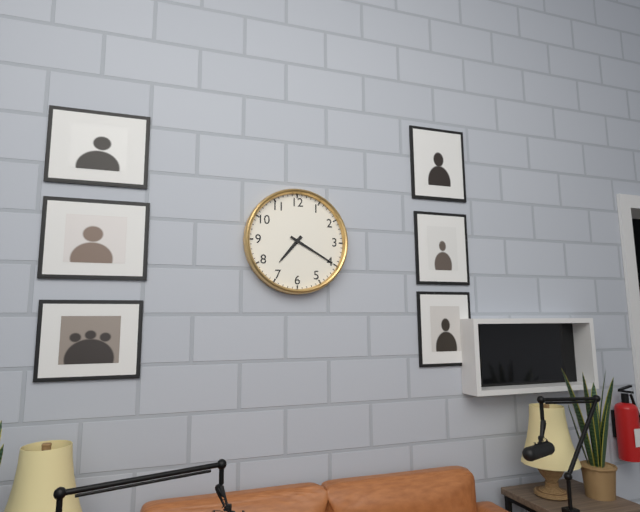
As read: h=7 m=20
